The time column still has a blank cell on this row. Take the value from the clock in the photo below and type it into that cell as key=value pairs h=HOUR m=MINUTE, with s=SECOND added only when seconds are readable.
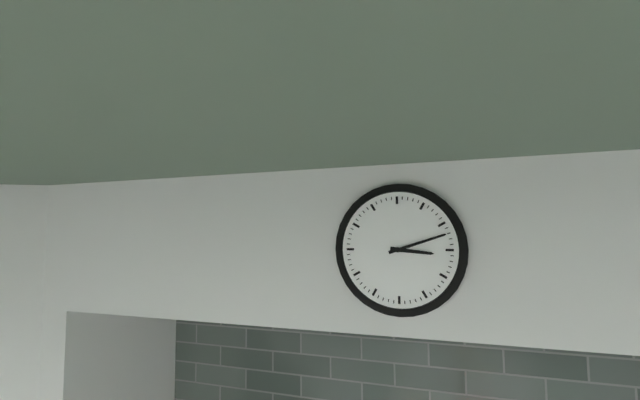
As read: h=3 m=12
